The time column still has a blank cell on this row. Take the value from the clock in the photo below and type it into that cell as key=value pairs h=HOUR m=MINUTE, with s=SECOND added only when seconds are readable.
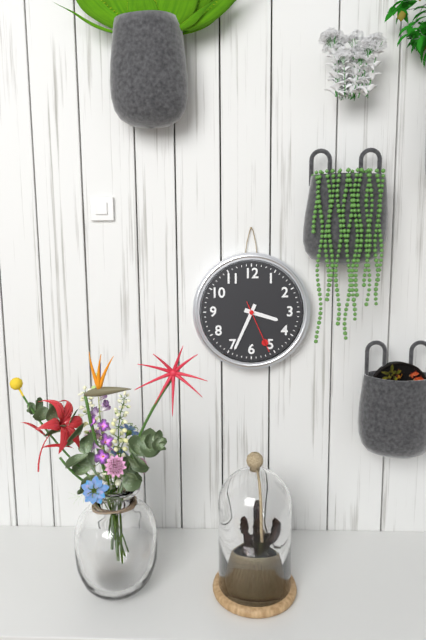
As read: h=3 m=34 s=26
